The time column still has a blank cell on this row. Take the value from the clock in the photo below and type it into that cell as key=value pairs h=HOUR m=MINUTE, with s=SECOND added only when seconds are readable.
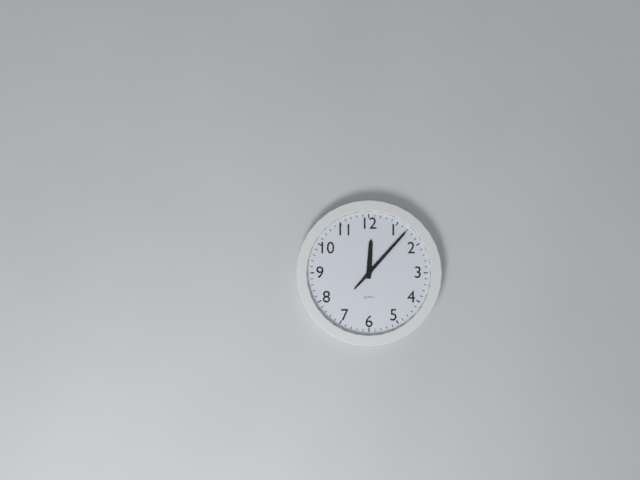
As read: h=12 m=7
